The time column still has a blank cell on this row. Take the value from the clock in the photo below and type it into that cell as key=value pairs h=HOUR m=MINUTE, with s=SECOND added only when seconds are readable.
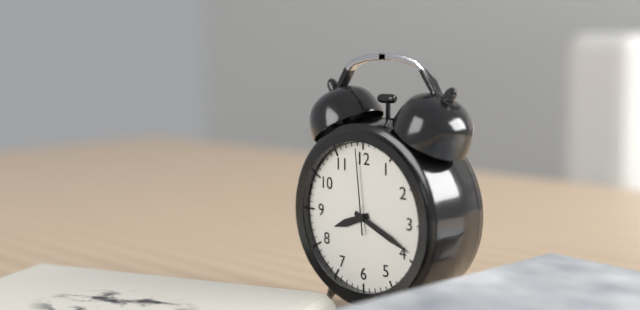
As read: h=8 m=19 s=59
